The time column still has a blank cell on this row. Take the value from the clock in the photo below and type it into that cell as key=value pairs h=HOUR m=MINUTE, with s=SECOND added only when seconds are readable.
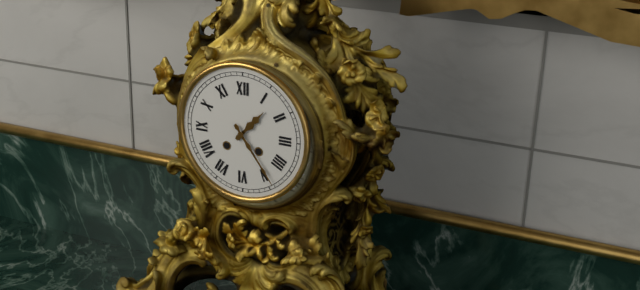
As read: h=1 m=24
